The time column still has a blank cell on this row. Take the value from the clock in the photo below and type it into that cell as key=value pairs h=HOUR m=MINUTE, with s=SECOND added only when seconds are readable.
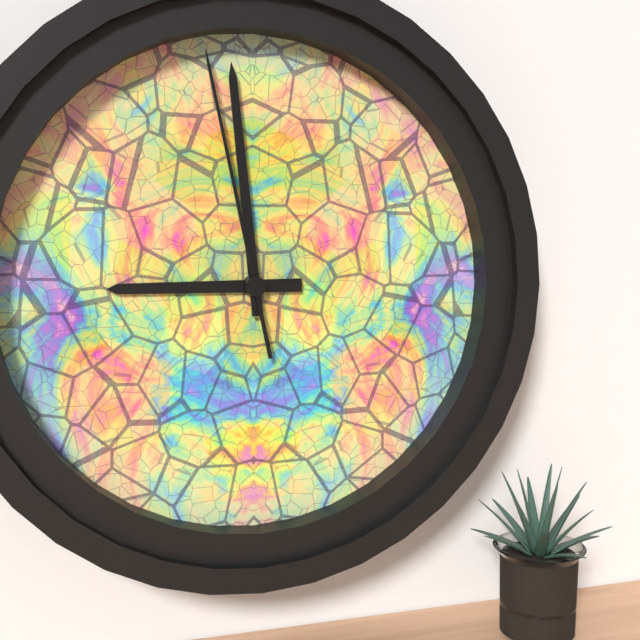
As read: h=8 m=59 s=58
